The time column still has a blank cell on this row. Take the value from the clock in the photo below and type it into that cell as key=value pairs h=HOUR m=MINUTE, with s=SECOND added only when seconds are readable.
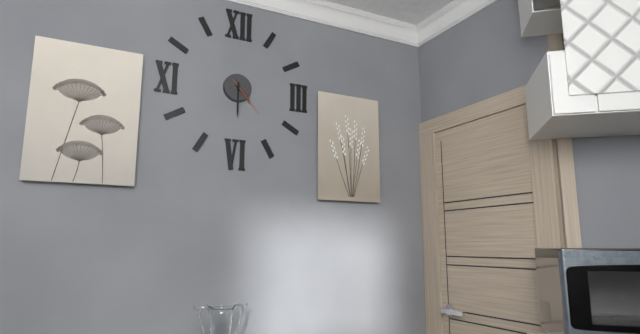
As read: h=4 m=30
